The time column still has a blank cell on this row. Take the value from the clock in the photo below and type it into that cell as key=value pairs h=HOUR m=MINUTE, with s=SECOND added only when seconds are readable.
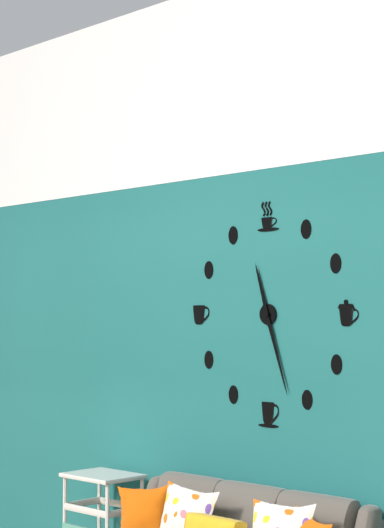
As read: h=11 m=27
